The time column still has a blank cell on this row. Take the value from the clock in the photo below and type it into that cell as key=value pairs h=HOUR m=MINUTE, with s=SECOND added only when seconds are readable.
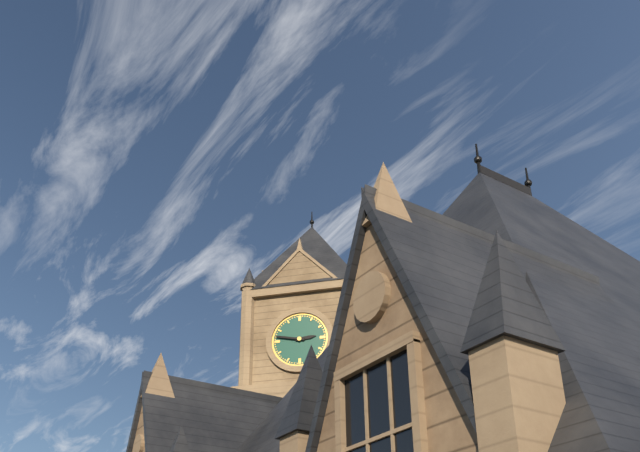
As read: h=2 m=47
